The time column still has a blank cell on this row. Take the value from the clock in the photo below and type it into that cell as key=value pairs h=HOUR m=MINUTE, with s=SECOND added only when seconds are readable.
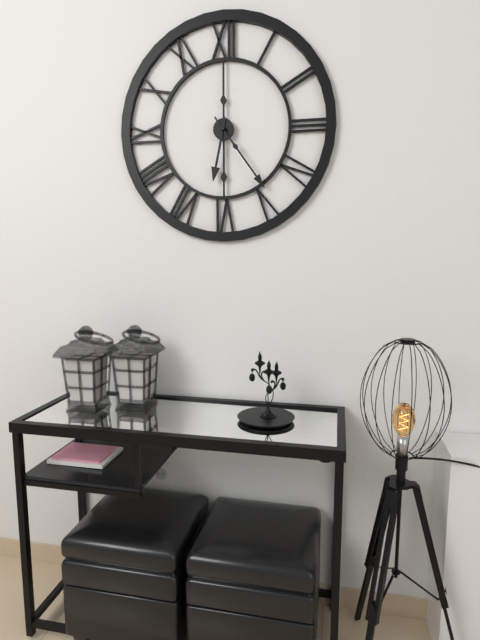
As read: h=6 m=24
